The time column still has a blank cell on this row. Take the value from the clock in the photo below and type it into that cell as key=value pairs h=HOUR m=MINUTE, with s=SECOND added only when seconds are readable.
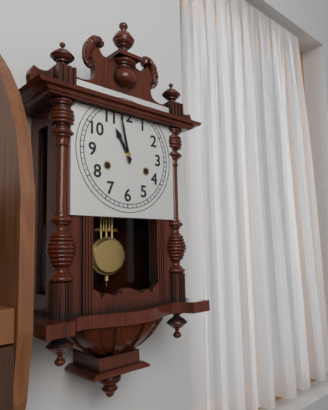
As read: h=10 m=58
